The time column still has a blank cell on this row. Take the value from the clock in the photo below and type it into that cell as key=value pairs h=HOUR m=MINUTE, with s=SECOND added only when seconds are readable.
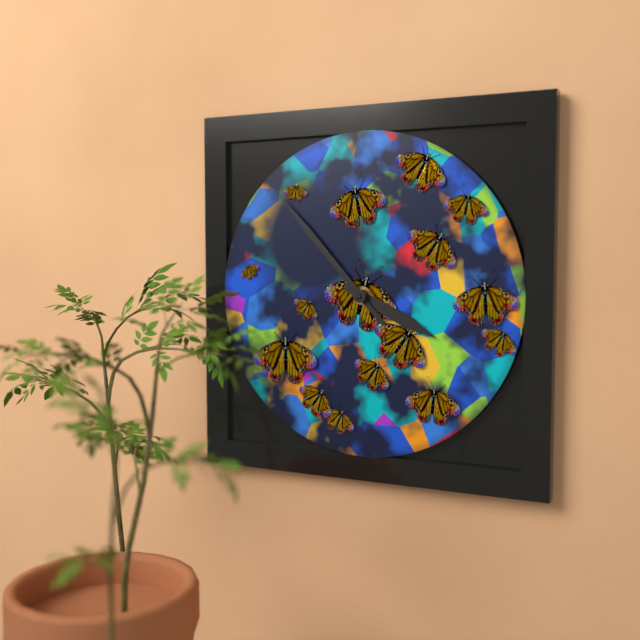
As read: h=3 m=53
